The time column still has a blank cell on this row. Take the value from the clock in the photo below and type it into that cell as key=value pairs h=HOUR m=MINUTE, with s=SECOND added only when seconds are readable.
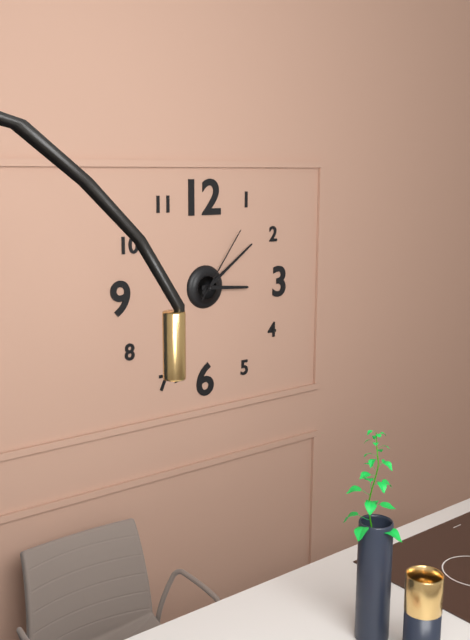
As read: h=3 m=9 s=6
